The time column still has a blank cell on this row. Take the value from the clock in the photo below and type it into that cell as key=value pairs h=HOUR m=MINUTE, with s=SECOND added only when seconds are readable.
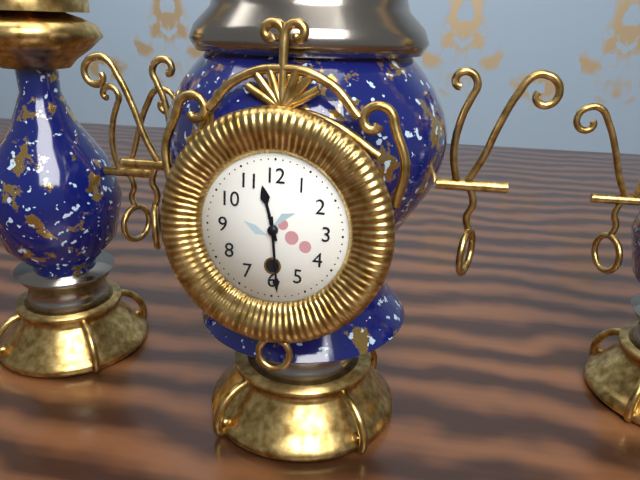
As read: h=11 m=29
